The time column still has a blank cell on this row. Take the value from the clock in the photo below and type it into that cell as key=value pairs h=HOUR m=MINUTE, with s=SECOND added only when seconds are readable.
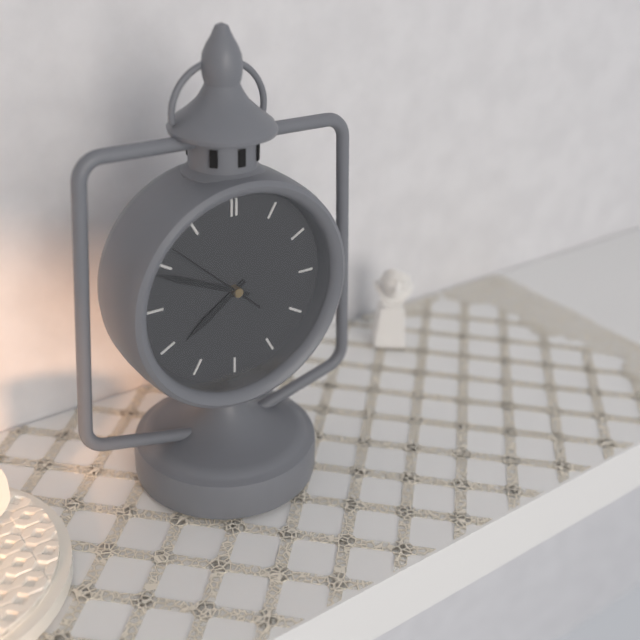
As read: h=7 m=49 s=52
